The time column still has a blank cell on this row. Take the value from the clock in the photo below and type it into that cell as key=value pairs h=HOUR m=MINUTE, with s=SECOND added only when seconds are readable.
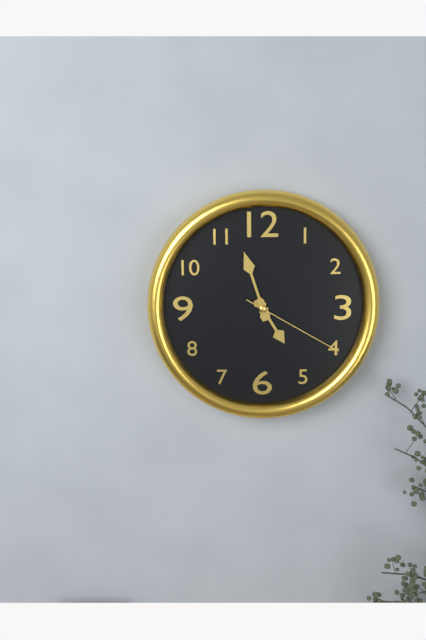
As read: h=4 m=57 s=20
